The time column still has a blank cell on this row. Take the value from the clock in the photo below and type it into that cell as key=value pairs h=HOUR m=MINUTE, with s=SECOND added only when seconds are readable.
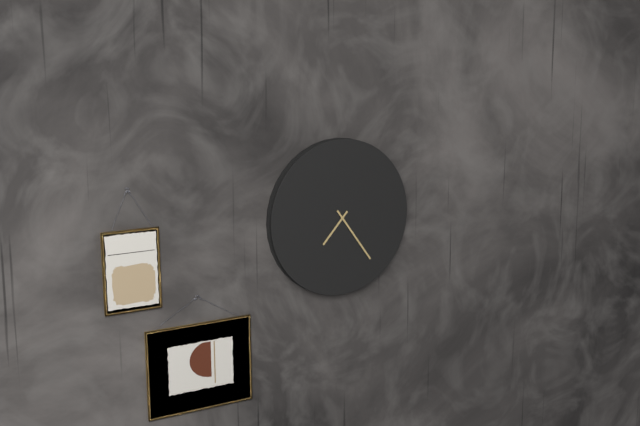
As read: h=7 m=24
